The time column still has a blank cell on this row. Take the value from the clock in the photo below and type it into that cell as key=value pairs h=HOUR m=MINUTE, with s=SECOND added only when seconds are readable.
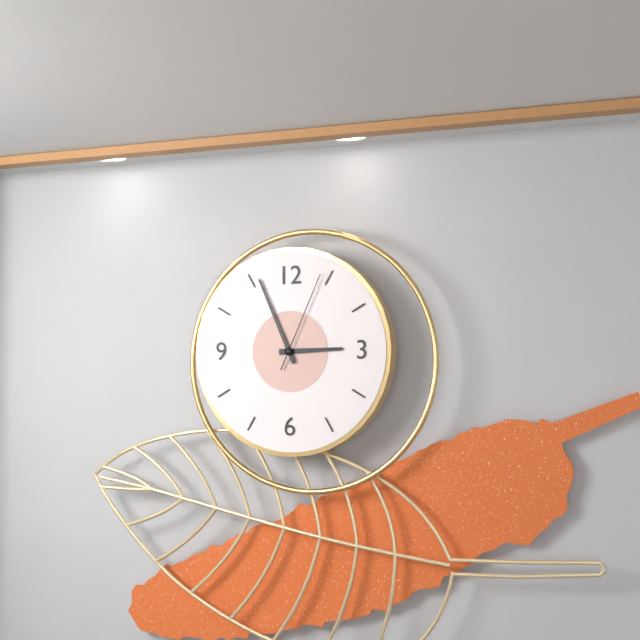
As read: h=2 m=56 s=4
